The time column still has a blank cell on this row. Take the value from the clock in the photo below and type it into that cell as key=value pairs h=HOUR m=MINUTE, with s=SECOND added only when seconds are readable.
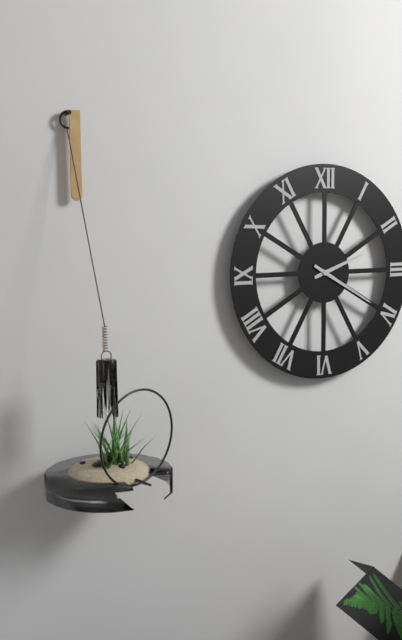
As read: h=2 m=20
